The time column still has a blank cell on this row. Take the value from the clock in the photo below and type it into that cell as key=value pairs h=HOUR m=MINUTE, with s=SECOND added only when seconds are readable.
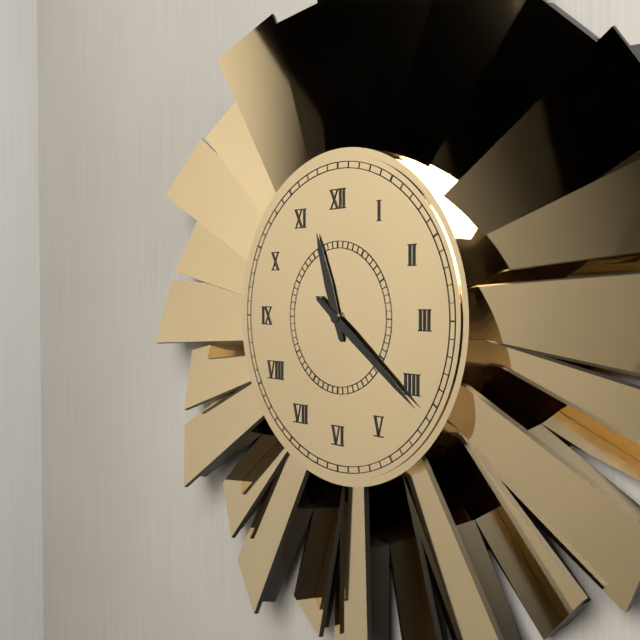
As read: h=11 m=21
